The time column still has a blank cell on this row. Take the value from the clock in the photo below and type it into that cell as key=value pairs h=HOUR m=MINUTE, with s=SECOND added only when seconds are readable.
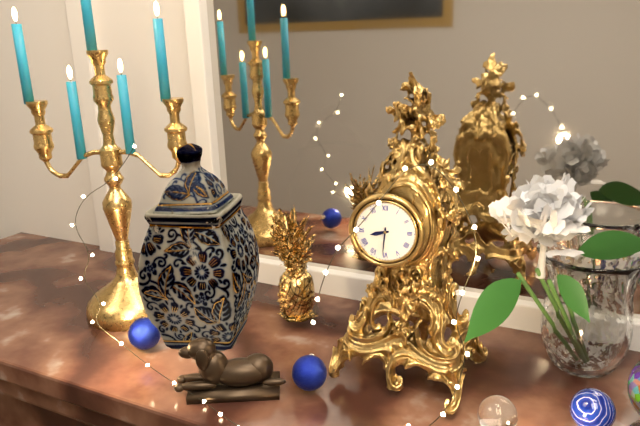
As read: h=8 m=31
